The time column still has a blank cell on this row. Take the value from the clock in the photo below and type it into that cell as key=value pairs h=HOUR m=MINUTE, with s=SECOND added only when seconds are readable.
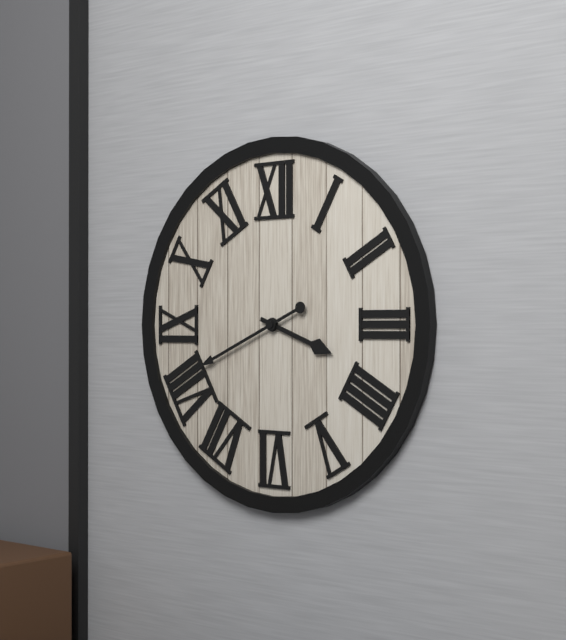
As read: h=3 m=41
